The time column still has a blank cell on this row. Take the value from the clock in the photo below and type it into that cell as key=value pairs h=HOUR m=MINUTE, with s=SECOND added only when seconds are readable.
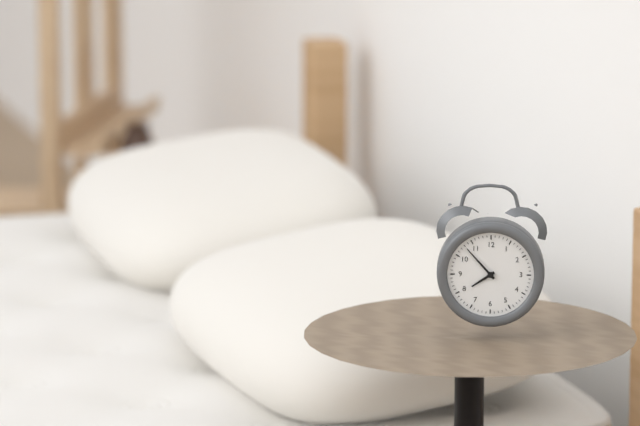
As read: h=7 m=53
